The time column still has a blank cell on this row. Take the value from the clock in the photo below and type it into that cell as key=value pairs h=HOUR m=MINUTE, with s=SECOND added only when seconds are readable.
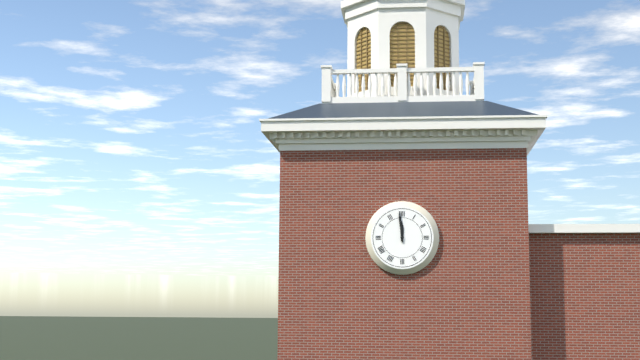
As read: h=11 m=59
